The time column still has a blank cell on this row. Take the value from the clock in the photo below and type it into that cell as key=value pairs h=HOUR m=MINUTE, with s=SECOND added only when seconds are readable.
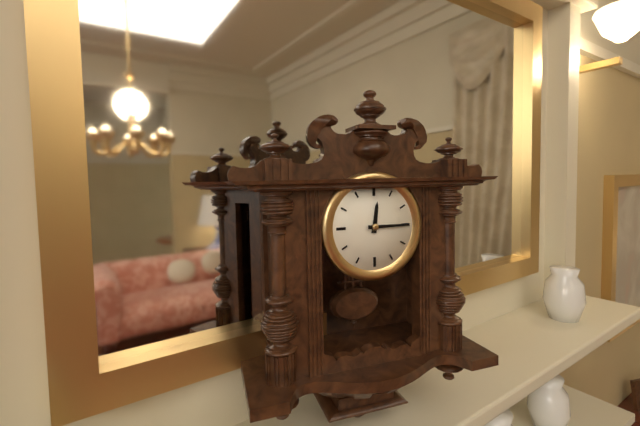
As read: h=12 m=15
